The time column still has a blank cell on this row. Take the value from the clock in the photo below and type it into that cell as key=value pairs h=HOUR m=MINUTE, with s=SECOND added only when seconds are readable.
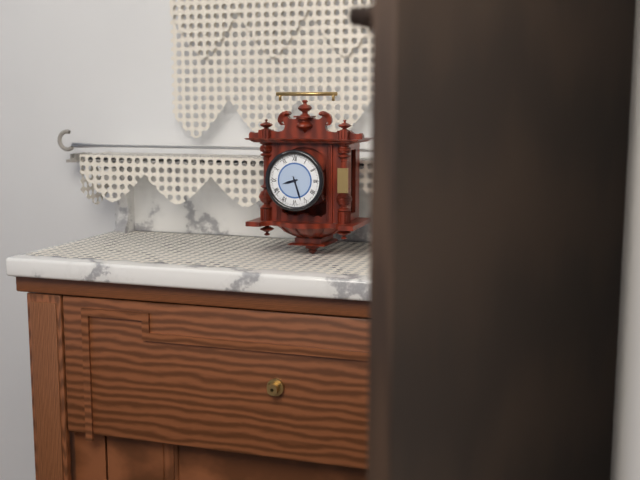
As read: h=8 m=27
